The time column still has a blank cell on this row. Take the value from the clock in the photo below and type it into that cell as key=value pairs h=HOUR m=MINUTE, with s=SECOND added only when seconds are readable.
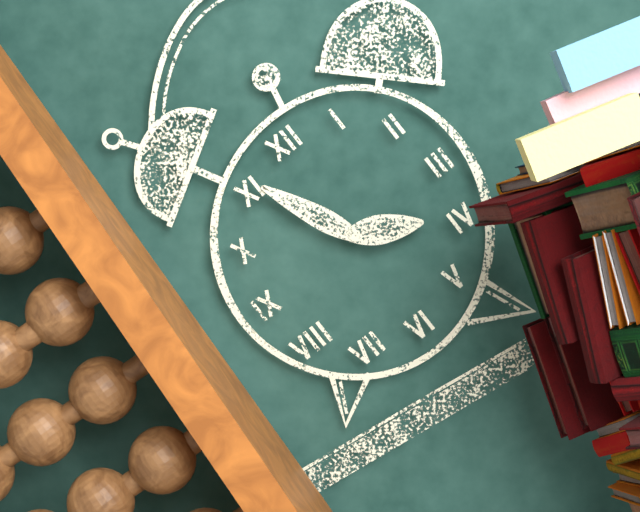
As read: h=3 m=56
